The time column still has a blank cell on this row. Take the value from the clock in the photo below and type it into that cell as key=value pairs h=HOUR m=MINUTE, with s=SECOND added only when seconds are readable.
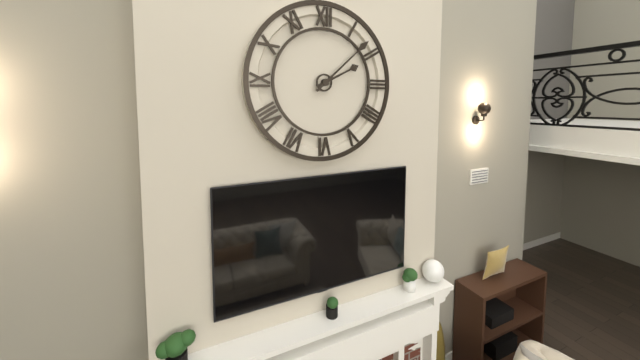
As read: h=2 m=8
